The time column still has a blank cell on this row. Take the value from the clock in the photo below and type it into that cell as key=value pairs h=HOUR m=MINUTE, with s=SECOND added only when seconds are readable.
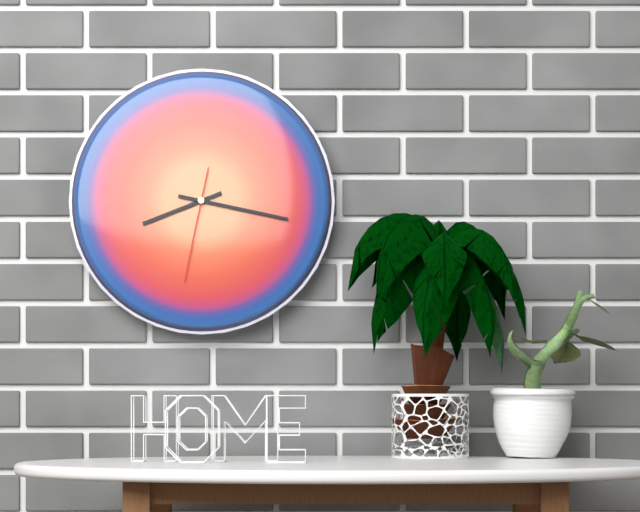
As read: h=8 m=17 s=32
